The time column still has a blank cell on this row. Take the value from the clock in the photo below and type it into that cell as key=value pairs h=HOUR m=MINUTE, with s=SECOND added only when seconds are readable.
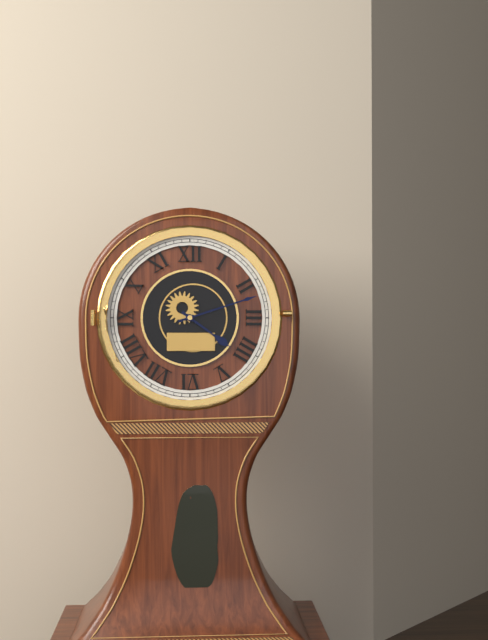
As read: h=4 m=12
